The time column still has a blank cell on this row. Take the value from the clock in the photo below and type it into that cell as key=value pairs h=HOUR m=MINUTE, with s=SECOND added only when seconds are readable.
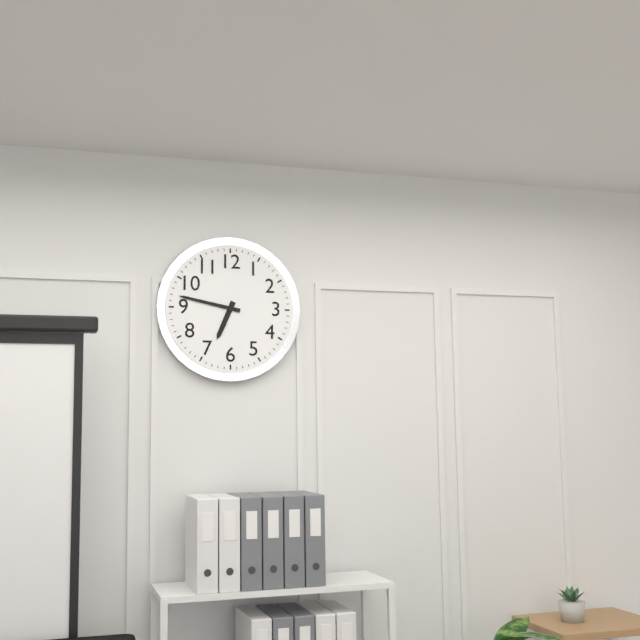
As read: h=6 m=47
